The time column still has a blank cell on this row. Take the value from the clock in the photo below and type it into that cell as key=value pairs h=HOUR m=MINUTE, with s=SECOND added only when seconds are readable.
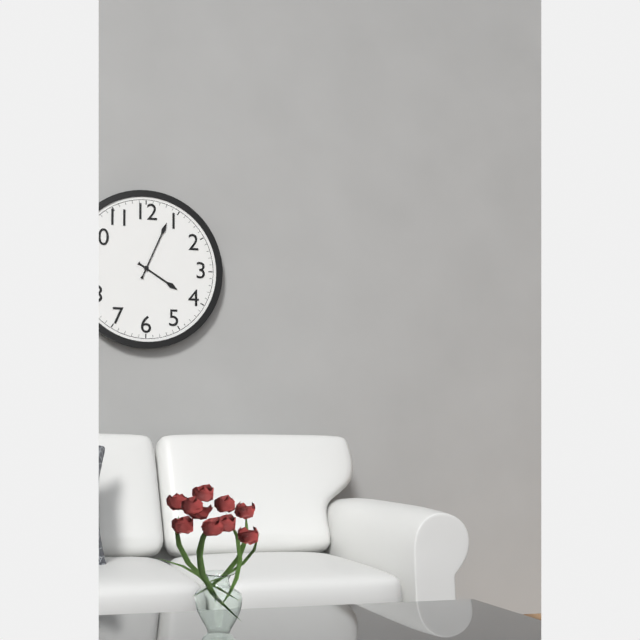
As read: h=4 m=4
